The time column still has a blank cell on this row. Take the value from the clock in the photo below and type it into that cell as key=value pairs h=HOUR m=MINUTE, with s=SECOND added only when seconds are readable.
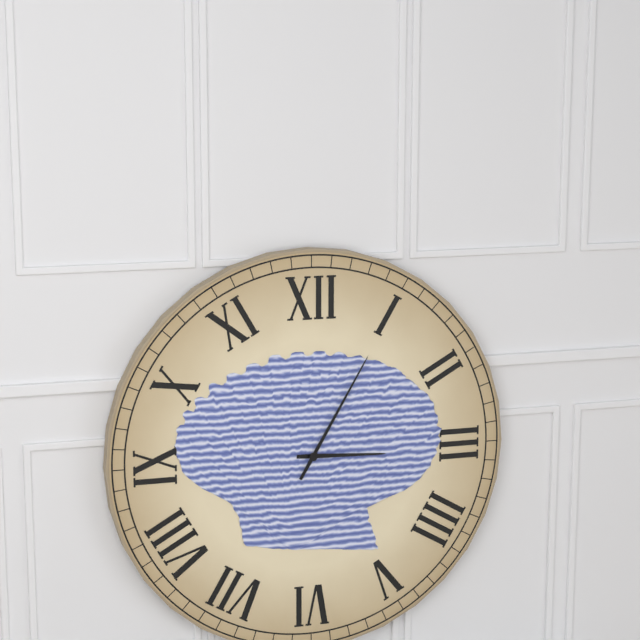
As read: h=3 m=5
